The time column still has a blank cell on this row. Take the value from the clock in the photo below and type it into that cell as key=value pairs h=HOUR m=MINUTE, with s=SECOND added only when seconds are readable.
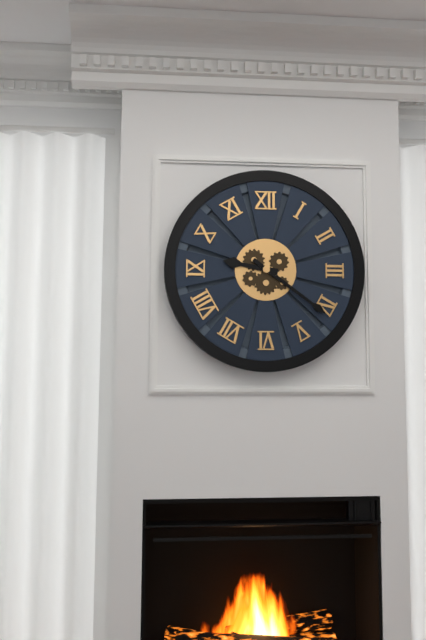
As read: h=9 m=21
